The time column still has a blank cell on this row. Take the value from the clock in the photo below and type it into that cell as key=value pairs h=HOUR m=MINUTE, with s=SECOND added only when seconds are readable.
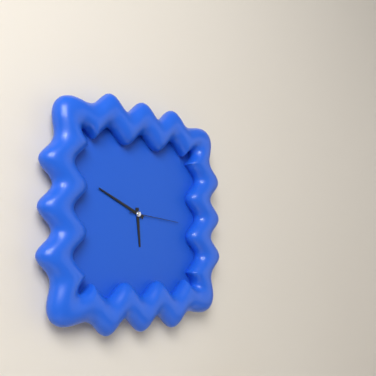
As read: h=5 m=49 s=16
